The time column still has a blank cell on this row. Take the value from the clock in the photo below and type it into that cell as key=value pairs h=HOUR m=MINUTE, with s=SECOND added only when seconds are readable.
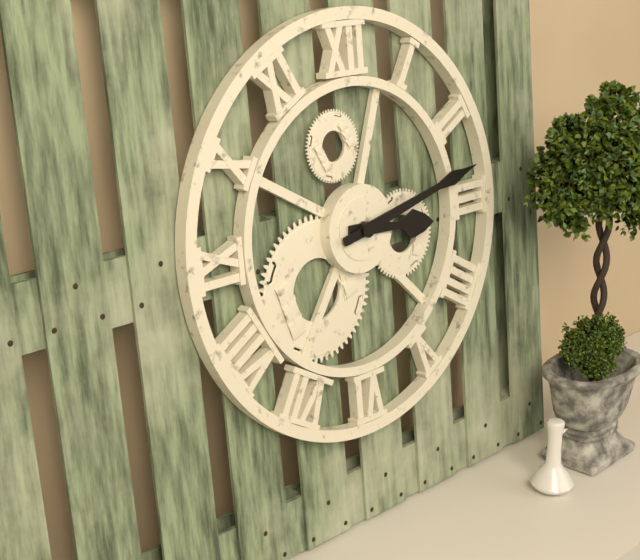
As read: h=3 m=13
